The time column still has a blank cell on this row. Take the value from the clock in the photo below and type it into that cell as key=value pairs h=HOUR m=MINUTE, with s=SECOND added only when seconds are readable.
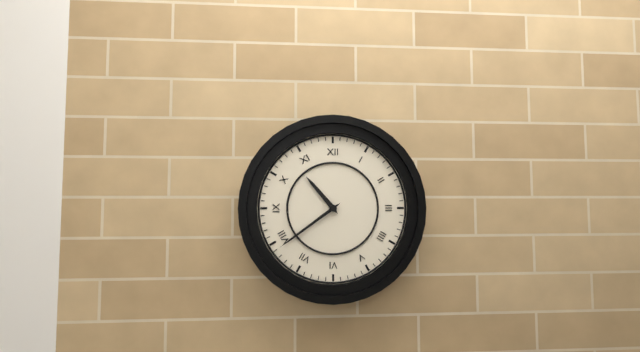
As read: h=10 m=39
